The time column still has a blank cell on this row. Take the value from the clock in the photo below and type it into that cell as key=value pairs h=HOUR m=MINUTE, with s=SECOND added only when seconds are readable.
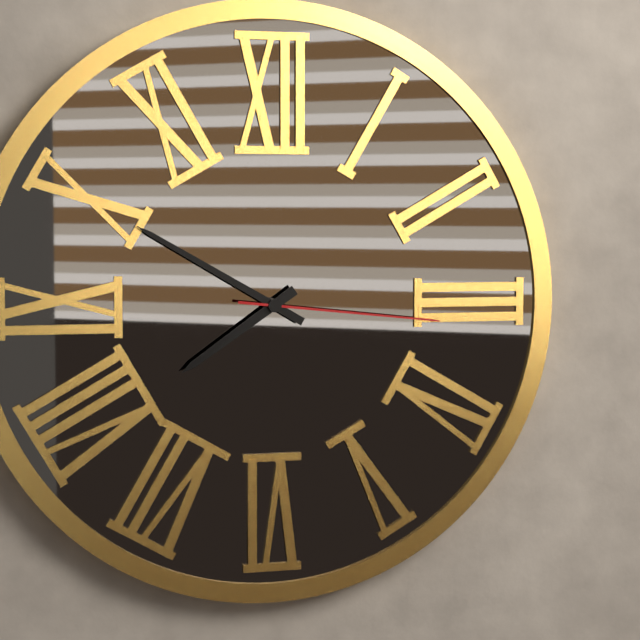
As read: h=7 m=50 s=16
